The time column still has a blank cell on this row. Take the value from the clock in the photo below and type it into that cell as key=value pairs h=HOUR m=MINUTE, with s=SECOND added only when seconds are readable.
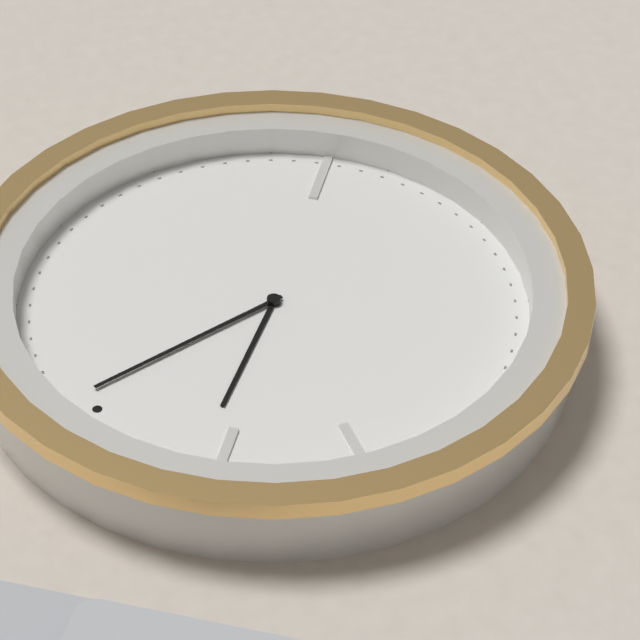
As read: h=11 m=1
